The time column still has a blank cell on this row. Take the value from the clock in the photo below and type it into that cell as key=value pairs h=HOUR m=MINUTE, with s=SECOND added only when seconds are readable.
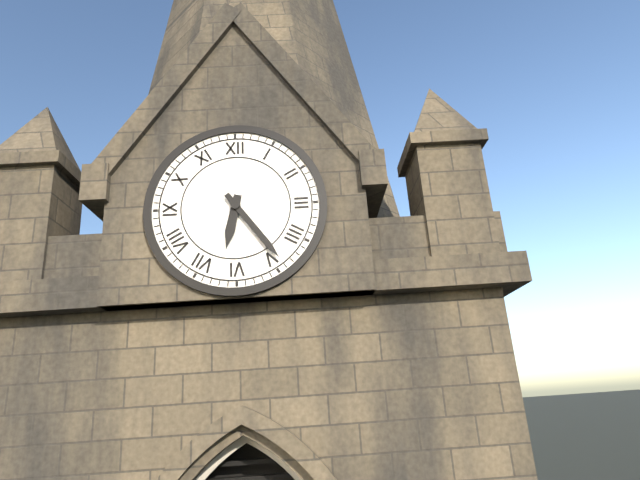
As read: h=6 m=24
